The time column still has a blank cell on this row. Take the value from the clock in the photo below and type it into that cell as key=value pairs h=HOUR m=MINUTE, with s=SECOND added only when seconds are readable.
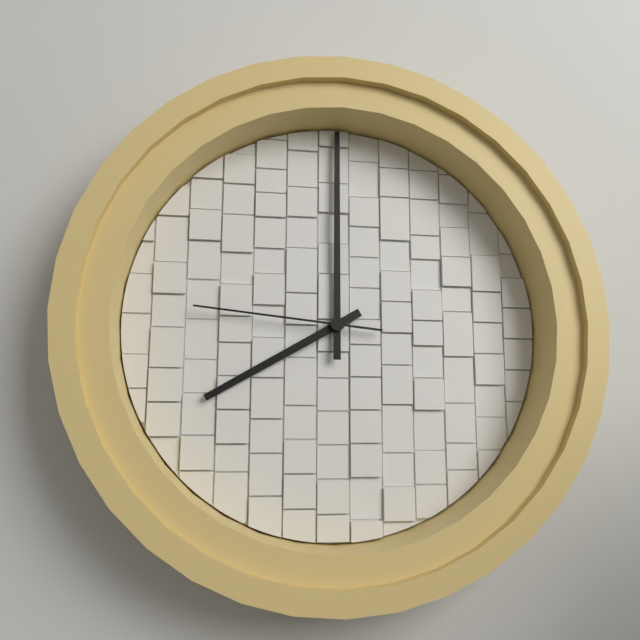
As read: h=8 m=0 s=46
